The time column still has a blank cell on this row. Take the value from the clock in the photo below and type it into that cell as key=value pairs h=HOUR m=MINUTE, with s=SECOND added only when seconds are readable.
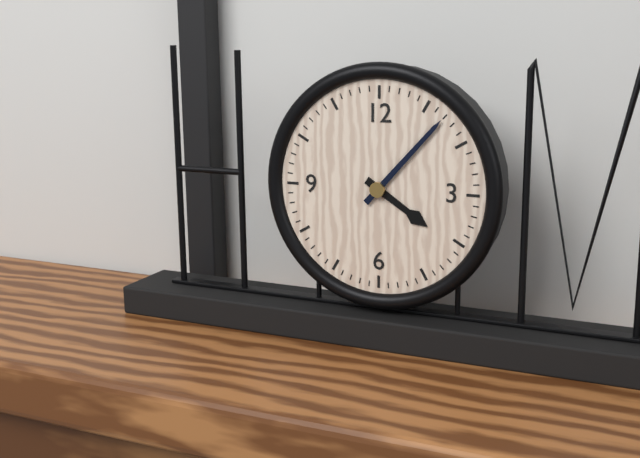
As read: h=4 m=7
